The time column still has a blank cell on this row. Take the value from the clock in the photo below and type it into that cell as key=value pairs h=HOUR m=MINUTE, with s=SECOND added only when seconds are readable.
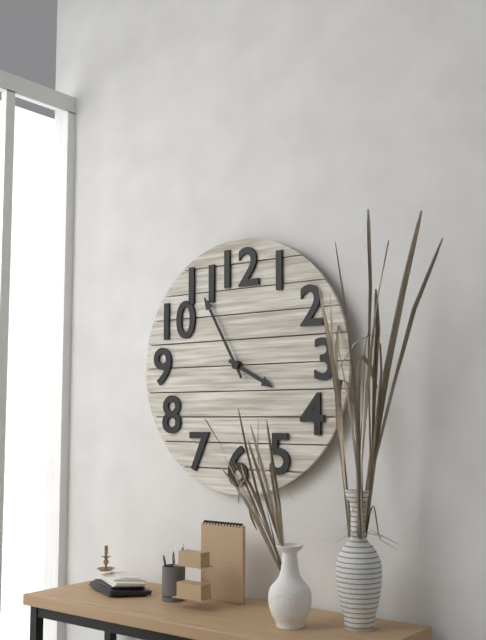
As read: h=3 m=55
